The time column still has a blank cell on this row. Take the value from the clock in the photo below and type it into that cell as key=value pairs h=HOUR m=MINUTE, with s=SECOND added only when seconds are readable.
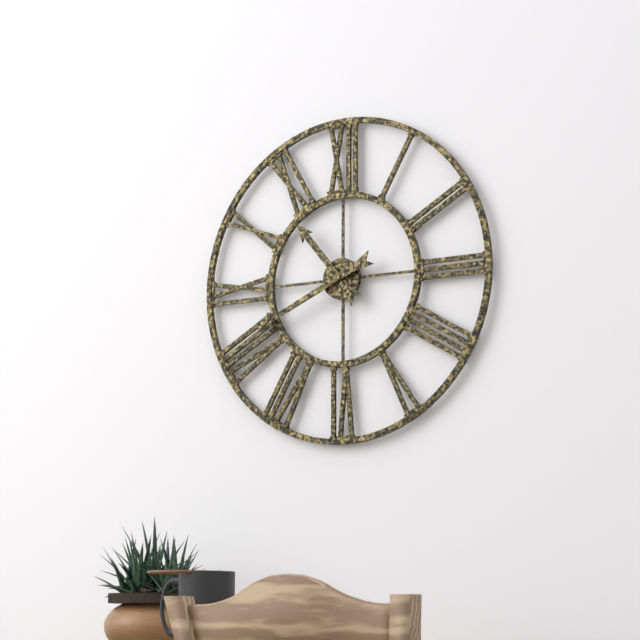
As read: h=10 m=41
